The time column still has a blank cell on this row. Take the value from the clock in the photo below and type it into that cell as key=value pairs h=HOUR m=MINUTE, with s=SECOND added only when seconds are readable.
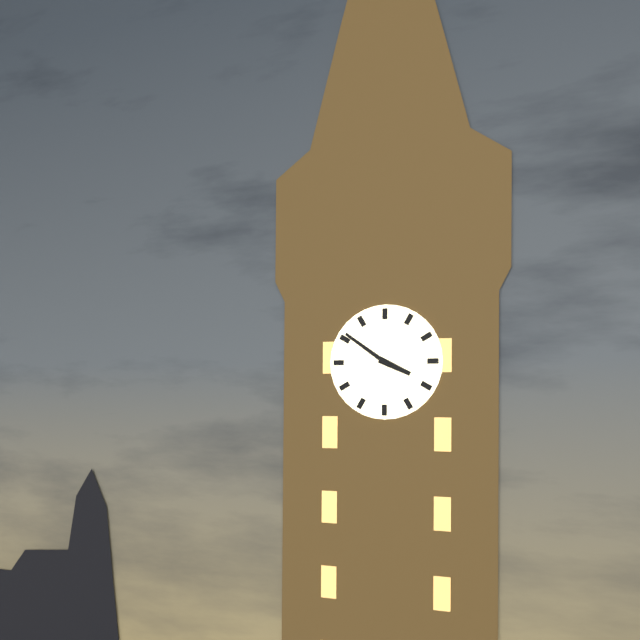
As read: h=3 m=51
